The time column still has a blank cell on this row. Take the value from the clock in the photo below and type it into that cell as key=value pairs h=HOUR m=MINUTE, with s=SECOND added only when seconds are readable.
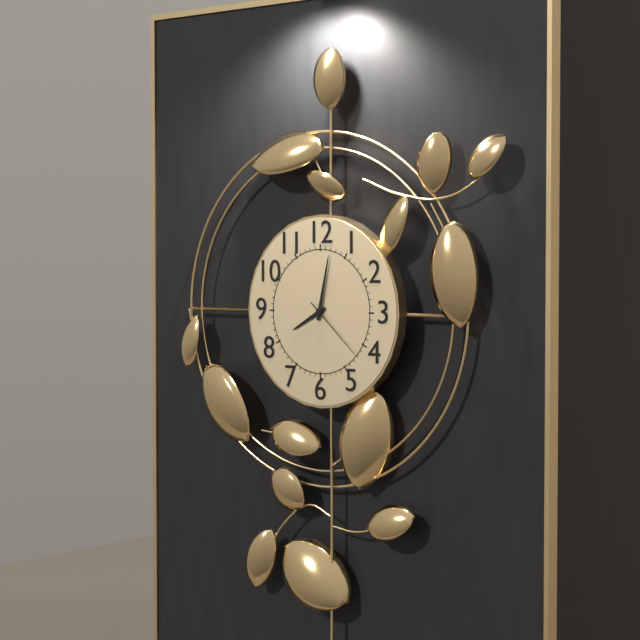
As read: h=8 m=2 s=22
